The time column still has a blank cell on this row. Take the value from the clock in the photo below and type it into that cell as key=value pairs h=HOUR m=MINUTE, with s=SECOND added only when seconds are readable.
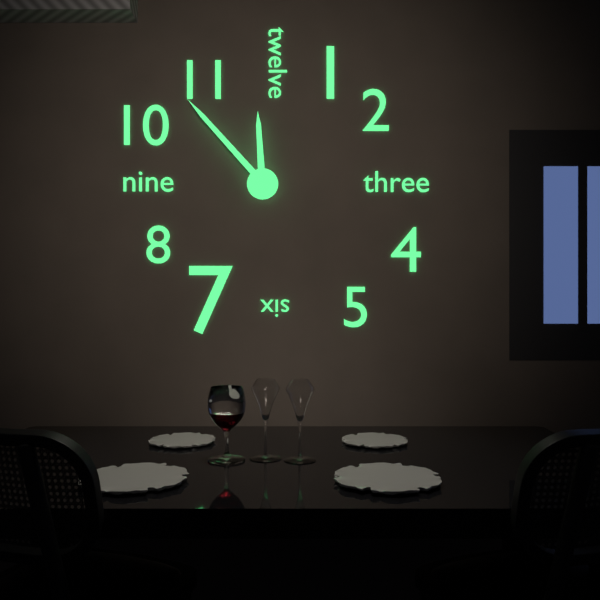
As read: h=11 m=53
